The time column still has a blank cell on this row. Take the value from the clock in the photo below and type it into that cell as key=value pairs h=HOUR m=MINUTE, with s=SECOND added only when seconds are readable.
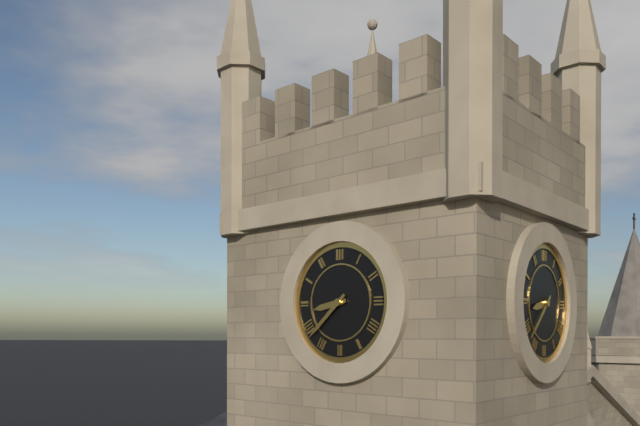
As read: h=8 m=38
